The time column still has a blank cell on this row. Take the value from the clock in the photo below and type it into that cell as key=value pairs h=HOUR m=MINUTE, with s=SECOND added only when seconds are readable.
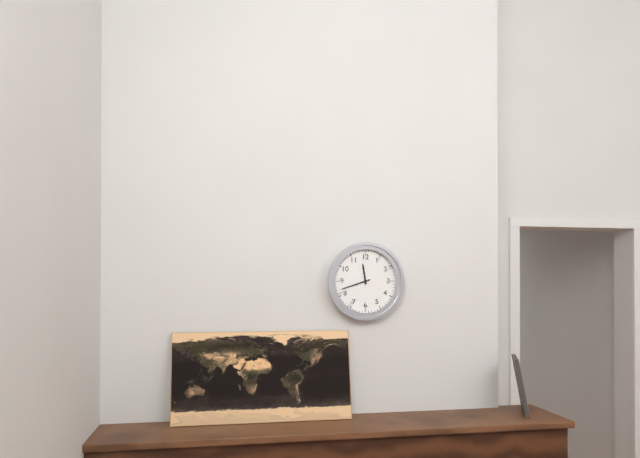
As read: h=11 m=42
